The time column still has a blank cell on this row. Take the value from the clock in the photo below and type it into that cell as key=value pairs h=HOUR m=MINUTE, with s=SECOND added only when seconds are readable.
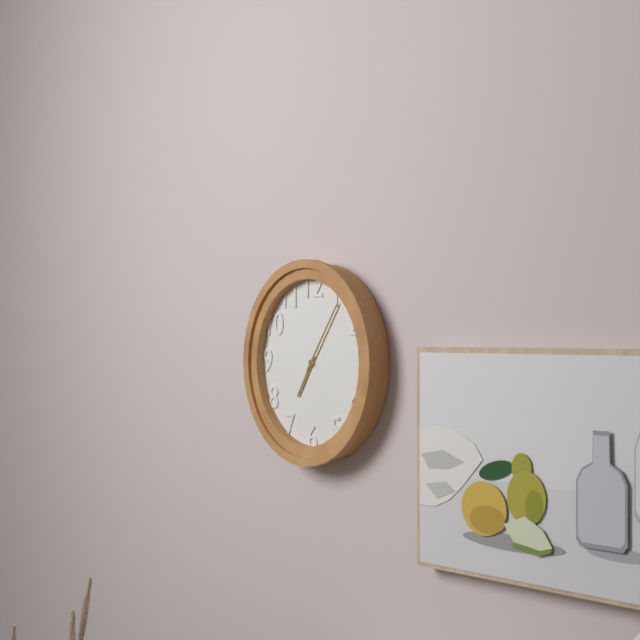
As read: h=7 m=6
